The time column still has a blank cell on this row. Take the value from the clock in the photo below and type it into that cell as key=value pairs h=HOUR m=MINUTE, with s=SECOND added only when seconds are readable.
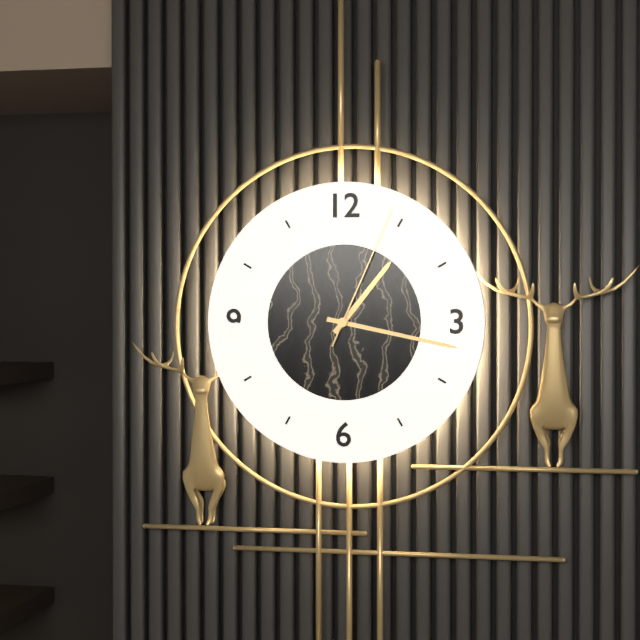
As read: h=1 m=17 s=4
